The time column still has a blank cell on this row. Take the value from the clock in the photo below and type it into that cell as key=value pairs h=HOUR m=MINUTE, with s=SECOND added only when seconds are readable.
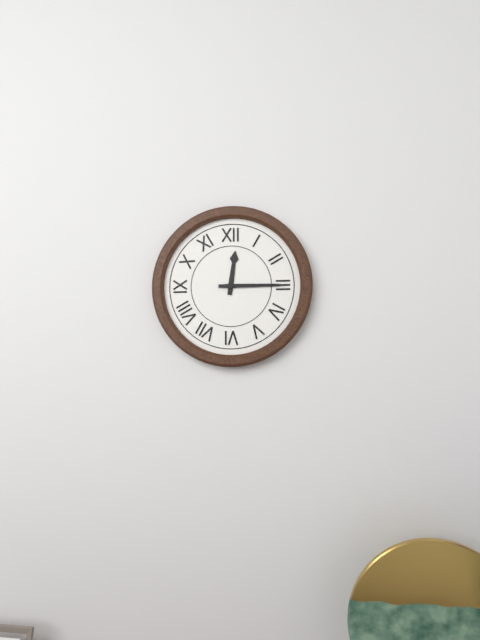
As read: h=12 m=15
